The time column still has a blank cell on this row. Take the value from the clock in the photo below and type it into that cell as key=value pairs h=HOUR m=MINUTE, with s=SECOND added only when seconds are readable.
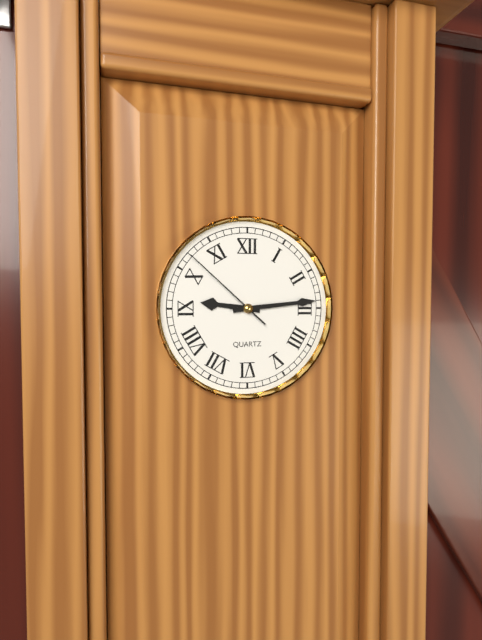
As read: h=9 m=14 s=52
